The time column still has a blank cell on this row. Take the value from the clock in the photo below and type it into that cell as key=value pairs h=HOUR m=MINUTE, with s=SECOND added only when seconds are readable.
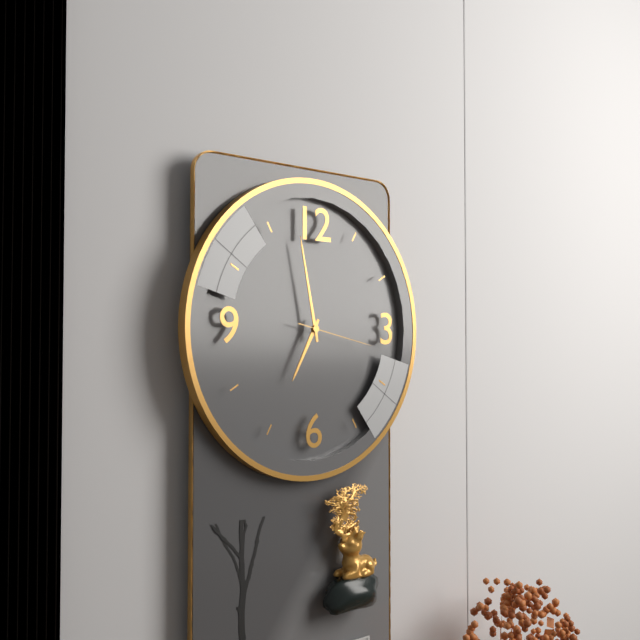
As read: h=6 m=58 s=17
